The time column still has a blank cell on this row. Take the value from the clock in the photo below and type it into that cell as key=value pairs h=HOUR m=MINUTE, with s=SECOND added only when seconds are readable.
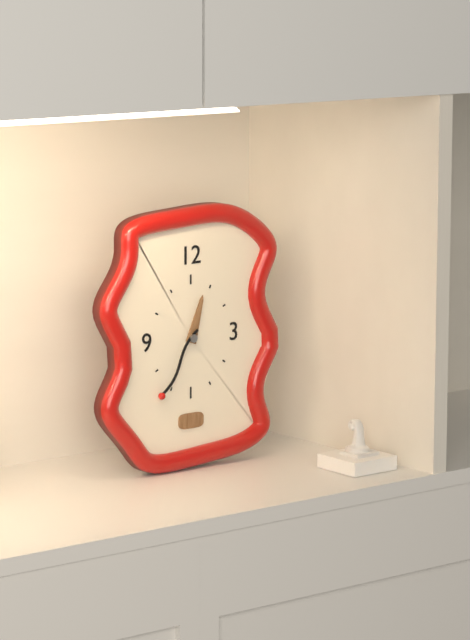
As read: h=12 m=36
